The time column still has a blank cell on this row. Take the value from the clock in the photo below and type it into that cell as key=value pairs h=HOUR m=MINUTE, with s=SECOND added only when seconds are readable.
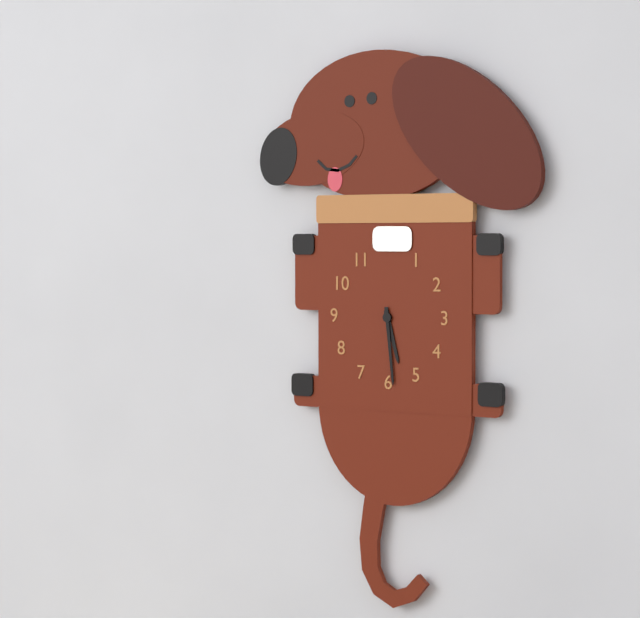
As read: h=5 m=29
